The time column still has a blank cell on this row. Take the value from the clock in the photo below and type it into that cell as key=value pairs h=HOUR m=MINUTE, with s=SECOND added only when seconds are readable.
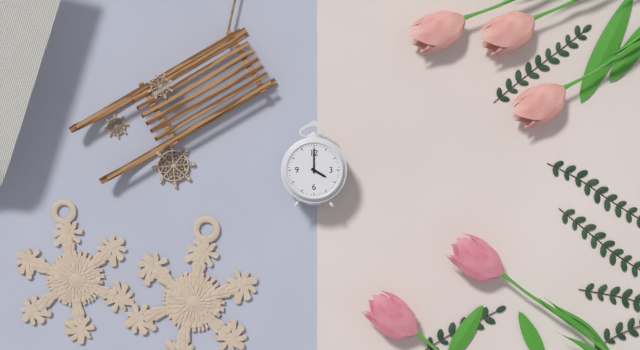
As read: h=4 m=0
